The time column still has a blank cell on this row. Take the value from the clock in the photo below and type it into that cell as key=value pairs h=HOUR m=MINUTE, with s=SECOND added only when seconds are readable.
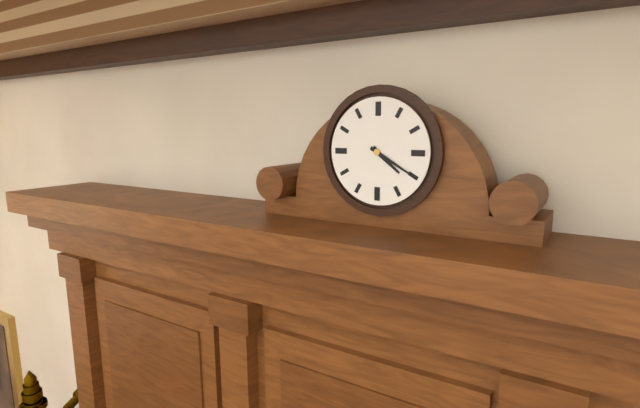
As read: h=4 m=20
